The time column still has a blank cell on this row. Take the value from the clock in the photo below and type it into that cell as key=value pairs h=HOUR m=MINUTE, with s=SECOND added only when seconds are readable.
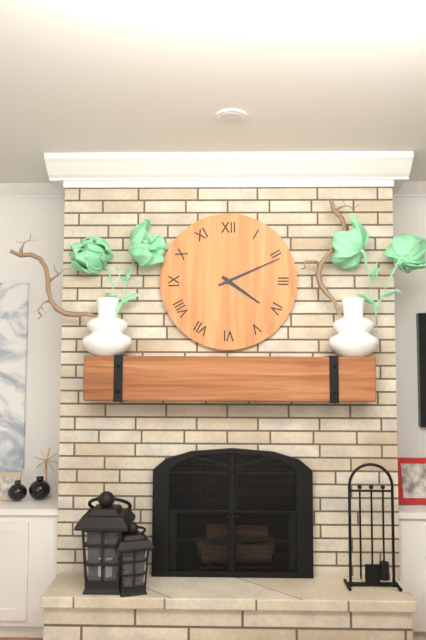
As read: h=4 m=11
